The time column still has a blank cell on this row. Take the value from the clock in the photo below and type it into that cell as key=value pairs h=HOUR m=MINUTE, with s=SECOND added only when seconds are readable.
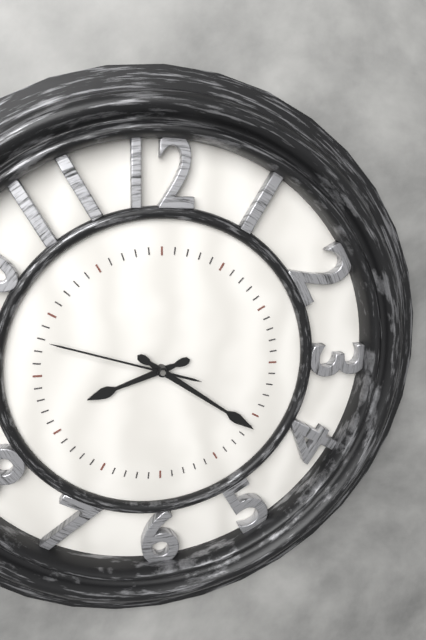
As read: h=8 m=21 s=48
